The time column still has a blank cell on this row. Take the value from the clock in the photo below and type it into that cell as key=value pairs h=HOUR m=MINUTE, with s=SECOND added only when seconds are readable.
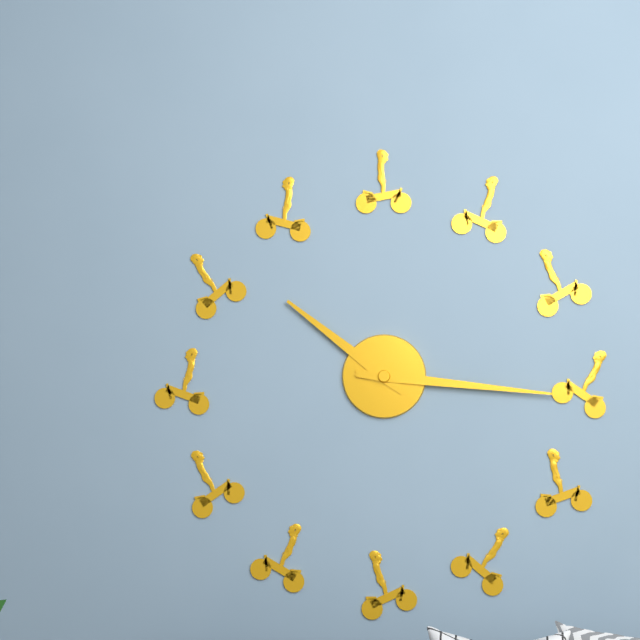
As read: h=10 m=16
